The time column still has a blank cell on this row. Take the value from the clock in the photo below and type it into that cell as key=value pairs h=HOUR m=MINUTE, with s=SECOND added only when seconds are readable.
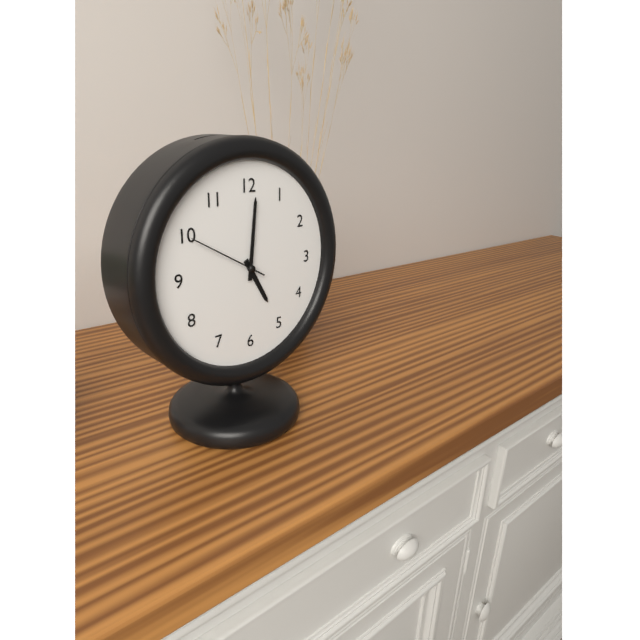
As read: h=5 m=1 s=50
